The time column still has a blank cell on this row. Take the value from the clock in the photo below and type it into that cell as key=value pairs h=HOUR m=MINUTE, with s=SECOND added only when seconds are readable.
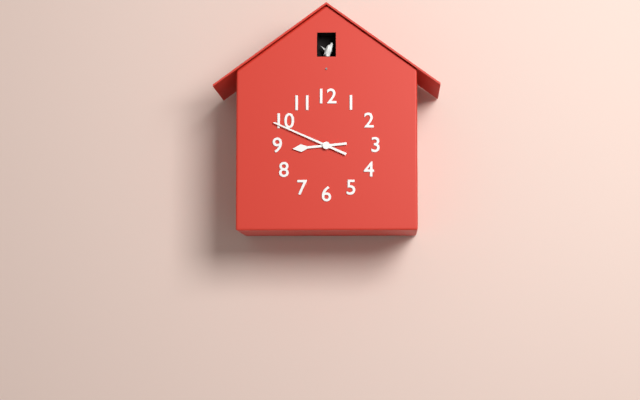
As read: h=8 m=49
